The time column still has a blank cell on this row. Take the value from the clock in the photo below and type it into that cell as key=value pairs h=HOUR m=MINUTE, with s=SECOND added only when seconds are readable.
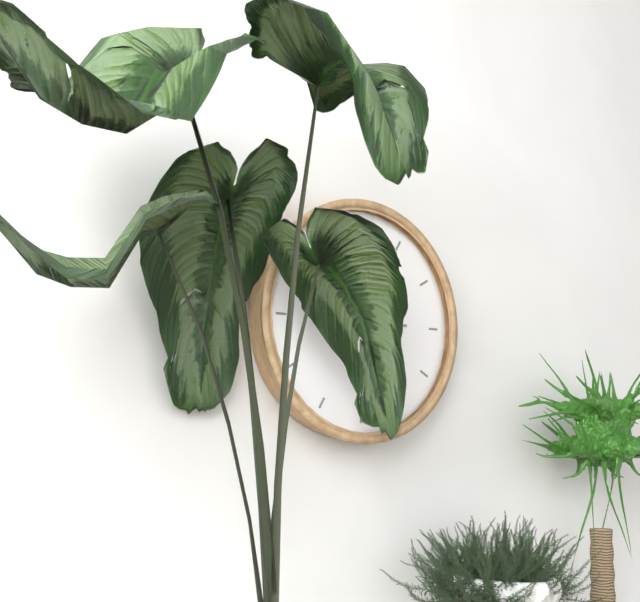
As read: h=2 m=59
